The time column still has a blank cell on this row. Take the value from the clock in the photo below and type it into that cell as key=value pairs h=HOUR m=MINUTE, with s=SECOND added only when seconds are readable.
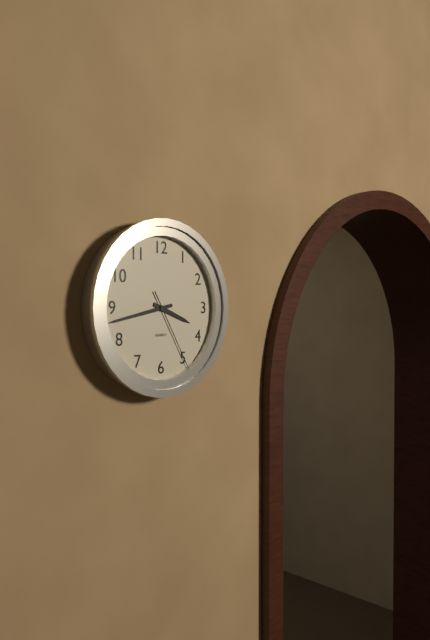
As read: h=3 m=43 s=25
